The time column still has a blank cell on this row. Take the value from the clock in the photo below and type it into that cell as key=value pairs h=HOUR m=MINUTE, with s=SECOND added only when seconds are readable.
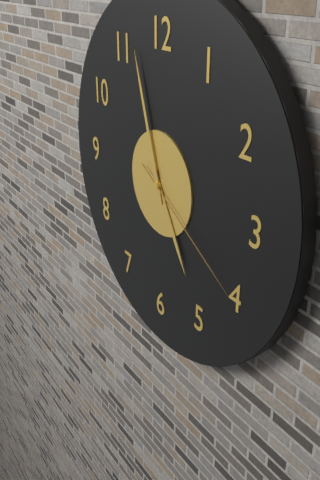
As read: h=4 m=57 s=20
